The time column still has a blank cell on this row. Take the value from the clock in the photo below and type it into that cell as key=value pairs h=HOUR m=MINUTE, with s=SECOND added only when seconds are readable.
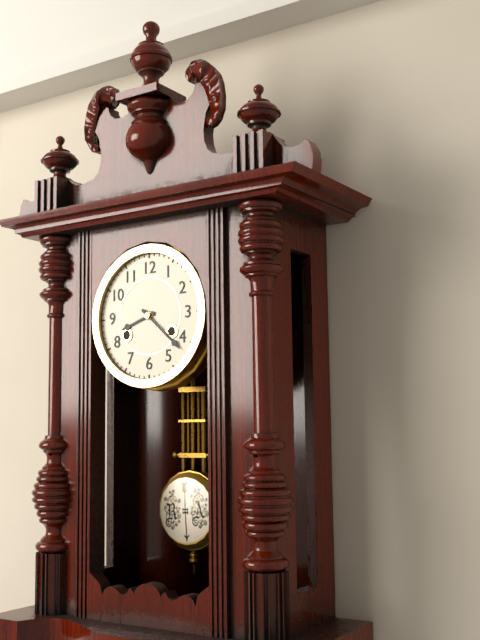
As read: h=8 m=22
